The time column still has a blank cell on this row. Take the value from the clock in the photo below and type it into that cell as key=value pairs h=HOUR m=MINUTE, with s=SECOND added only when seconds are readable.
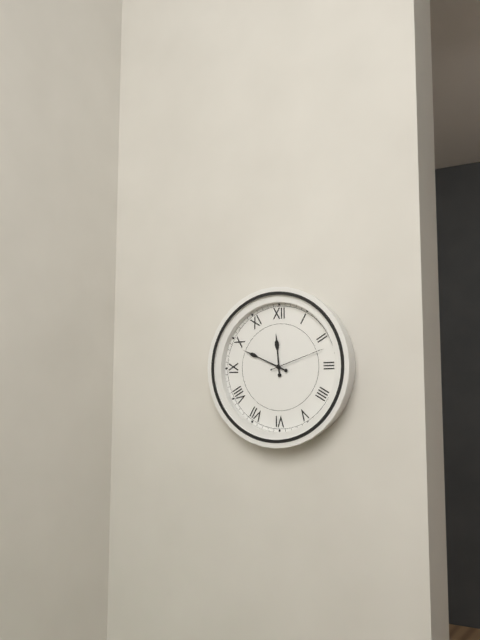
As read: h=11 m=49 s=12
